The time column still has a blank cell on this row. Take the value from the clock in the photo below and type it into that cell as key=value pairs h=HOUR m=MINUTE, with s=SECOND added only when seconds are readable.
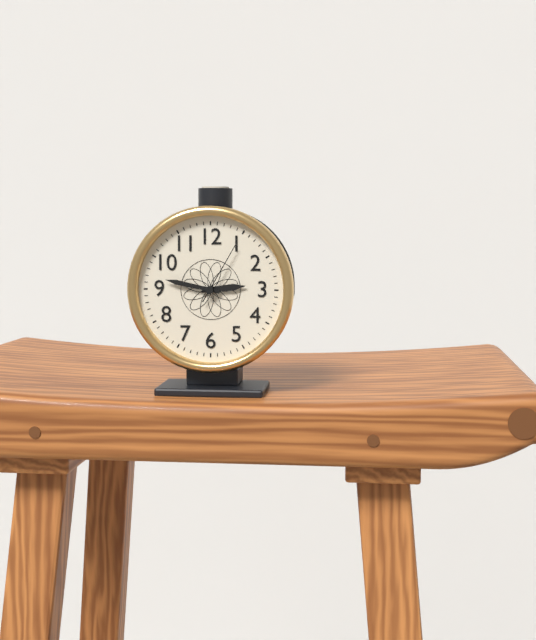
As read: h=2 m=47 s=5
